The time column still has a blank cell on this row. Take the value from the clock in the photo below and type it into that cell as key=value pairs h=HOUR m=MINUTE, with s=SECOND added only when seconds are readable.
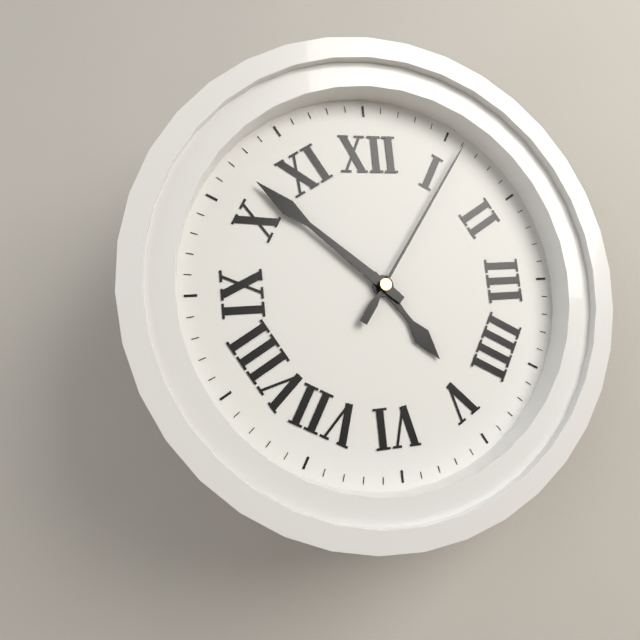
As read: h=4 m=52 s=6
